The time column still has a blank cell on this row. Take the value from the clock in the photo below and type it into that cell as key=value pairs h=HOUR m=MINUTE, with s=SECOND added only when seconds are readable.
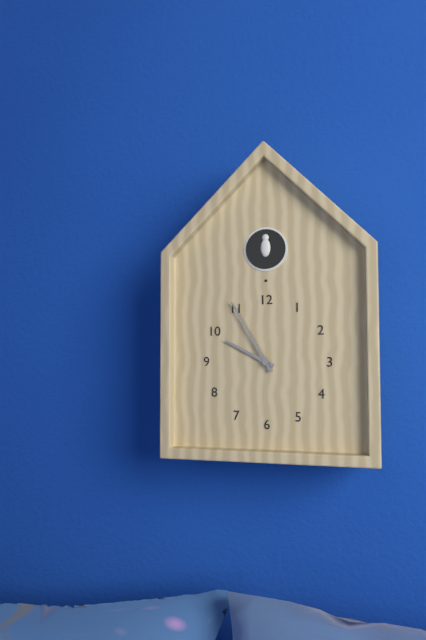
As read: h=9 m=55
